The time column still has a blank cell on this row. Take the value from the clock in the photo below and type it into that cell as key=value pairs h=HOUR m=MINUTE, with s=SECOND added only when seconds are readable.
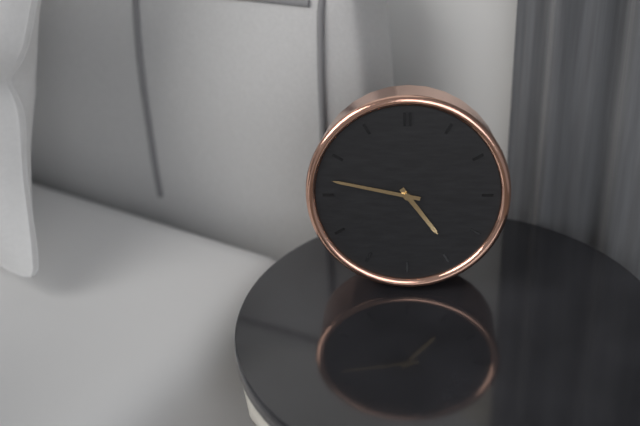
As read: h=4 m=47
